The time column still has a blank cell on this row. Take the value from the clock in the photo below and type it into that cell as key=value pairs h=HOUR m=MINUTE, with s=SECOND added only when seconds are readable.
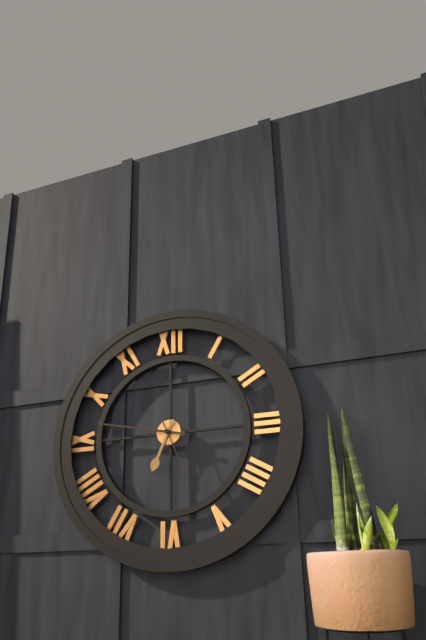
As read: h=6 m=47 s=26
